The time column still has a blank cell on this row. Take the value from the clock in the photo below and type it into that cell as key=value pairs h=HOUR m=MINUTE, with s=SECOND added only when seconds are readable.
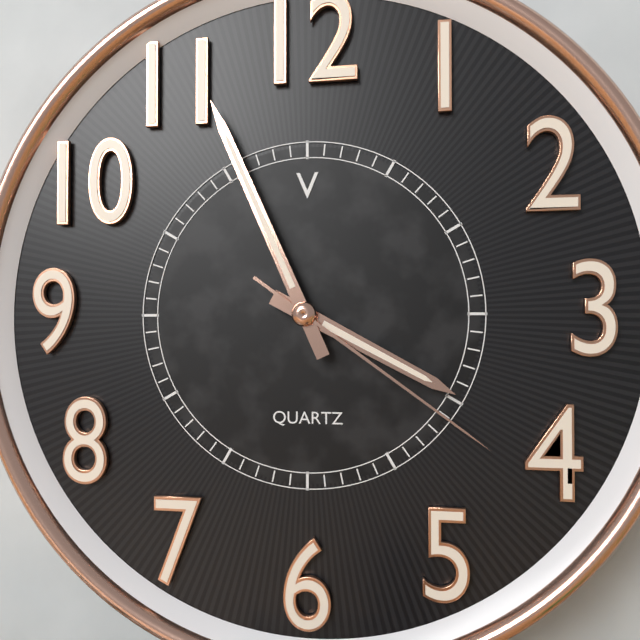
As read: h=3 m=56 s=21
